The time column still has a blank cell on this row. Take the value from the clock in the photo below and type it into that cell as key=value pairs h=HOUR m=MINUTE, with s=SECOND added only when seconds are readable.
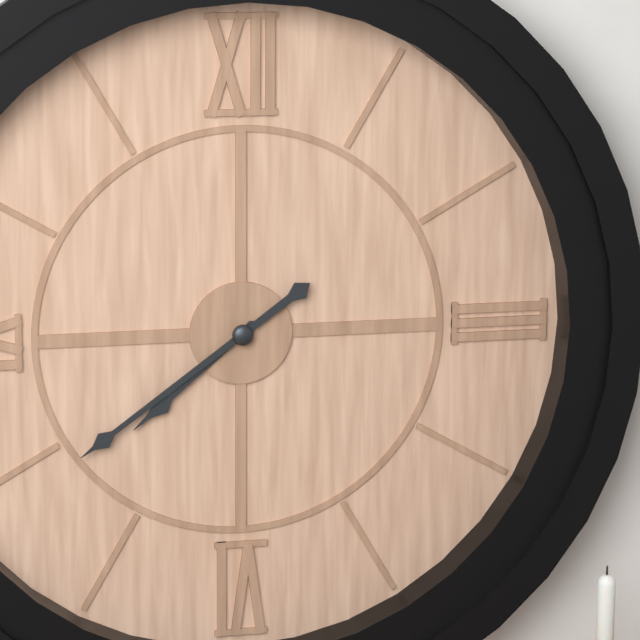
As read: h=7 m=39
